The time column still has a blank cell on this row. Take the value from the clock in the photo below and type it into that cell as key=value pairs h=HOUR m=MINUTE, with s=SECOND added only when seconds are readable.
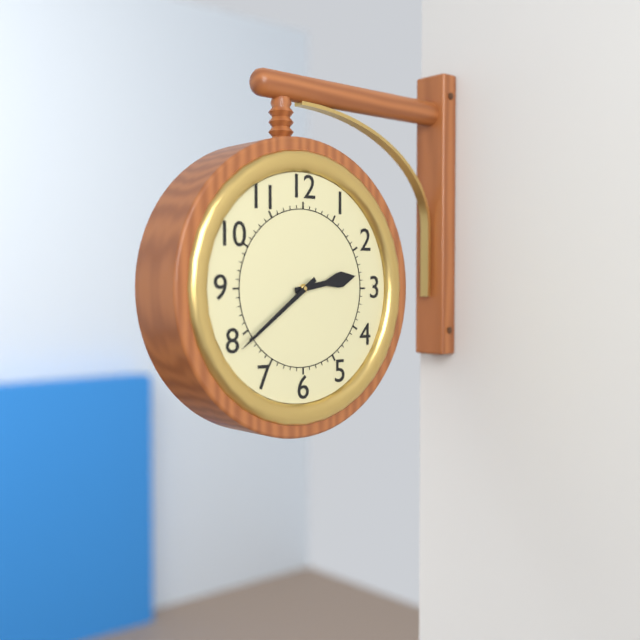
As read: h=2 m=39
